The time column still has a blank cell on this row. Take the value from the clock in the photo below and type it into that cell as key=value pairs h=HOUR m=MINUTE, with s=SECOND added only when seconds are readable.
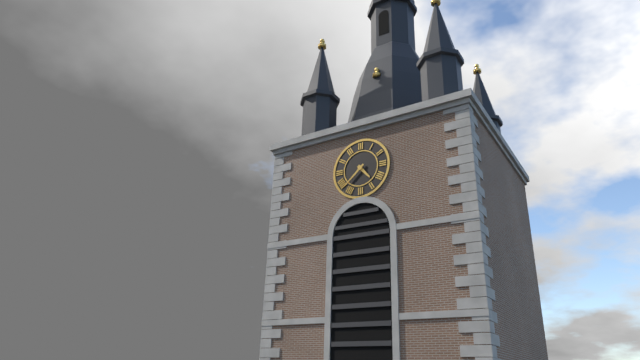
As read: h=4 m=38
